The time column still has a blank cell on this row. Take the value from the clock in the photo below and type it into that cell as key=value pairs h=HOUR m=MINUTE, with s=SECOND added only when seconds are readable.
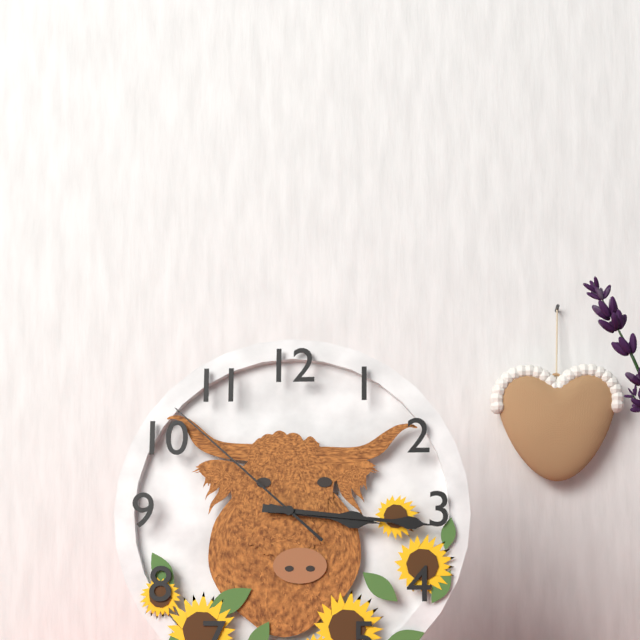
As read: h=3 m=16 s=52
